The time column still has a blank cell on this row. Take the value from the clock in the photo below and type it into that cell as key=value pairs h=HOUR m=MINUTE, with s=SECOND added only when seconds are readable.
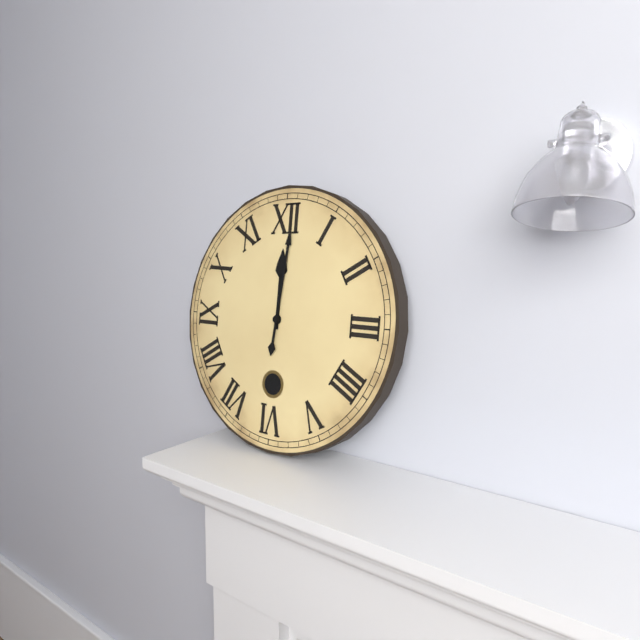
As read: h=12 m=1
